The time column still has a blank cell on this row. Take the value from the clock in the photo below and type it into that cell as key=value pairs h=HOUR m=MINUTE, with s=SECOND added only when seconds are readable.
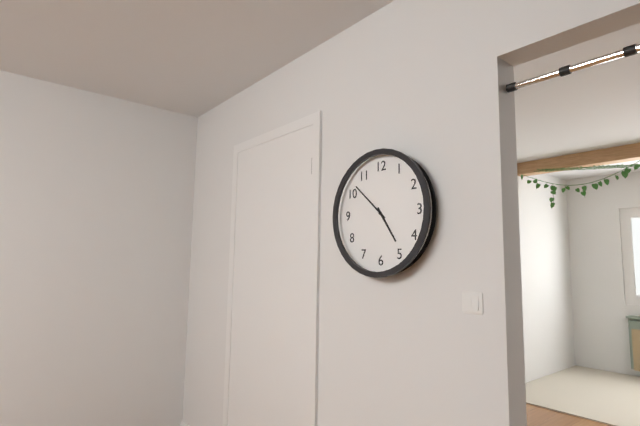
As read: h=4 m=52
